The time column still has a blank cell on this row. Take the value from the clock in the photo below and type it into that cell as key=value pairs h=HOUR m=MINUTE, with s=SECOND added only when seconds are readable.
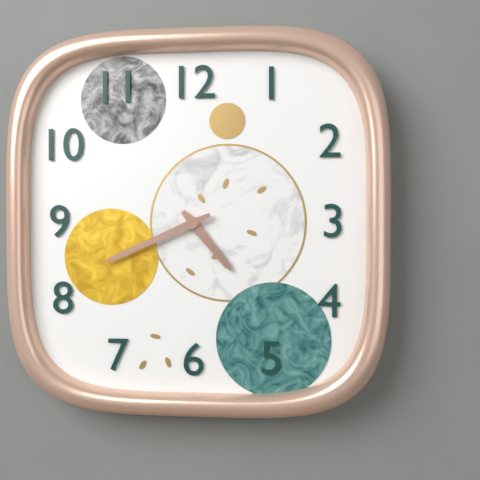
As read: h=4 m=41
